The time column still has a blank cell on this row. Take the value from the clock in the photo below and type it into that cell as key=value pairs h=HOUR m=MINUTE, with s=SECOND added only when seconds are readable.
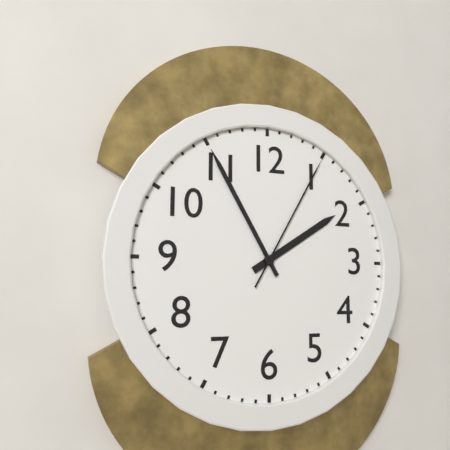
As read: h=1 m=55 s=5
